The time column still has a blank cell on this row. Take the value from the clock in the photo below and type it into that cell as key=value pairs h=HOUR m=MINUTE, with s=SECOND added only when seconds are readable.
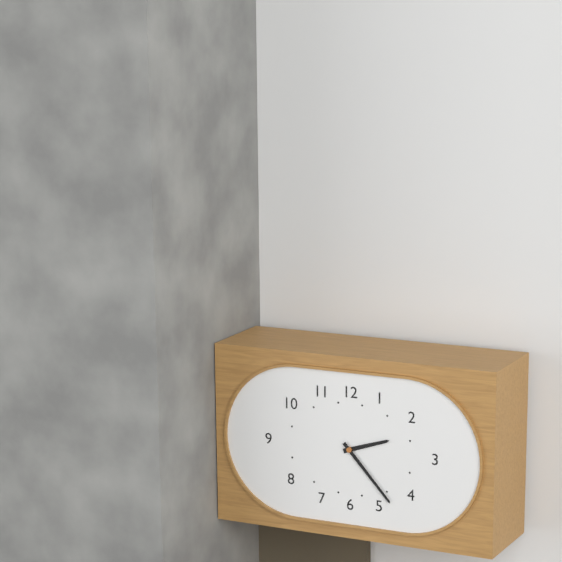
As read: h=2 m=23
